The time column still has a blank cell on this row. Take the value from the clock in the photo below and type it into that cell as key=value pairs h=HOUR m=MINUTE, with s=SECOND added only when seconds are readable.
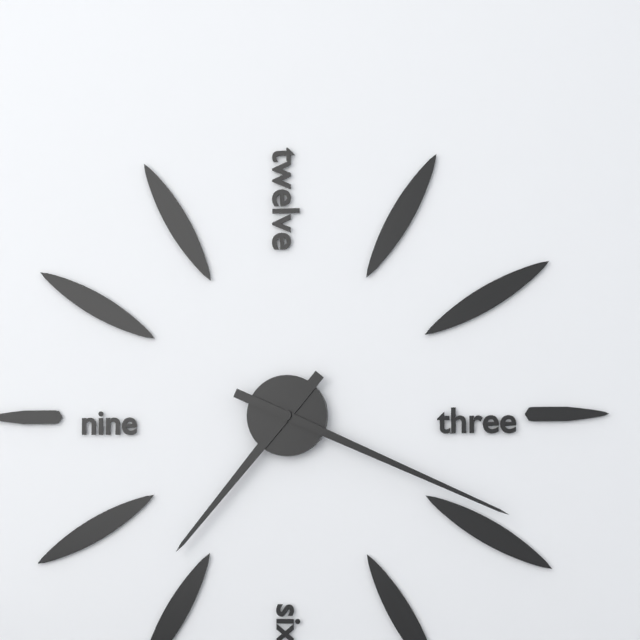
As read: h=7 m=19
